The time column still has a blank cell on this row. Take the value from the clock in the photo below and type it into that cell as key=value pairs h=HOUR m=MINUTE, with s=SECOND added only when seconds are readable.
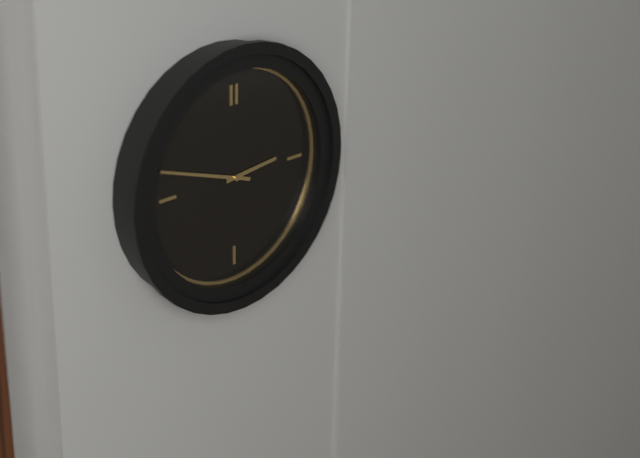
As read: h=2 m=48
